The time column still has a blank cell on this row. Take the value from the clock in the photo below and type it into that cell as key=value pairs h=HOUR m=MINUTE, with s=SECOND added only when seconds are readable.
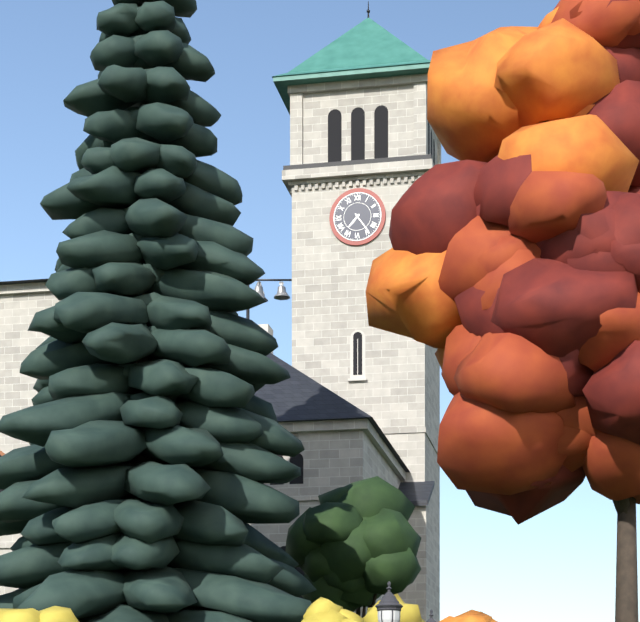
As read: h=7 m=24
